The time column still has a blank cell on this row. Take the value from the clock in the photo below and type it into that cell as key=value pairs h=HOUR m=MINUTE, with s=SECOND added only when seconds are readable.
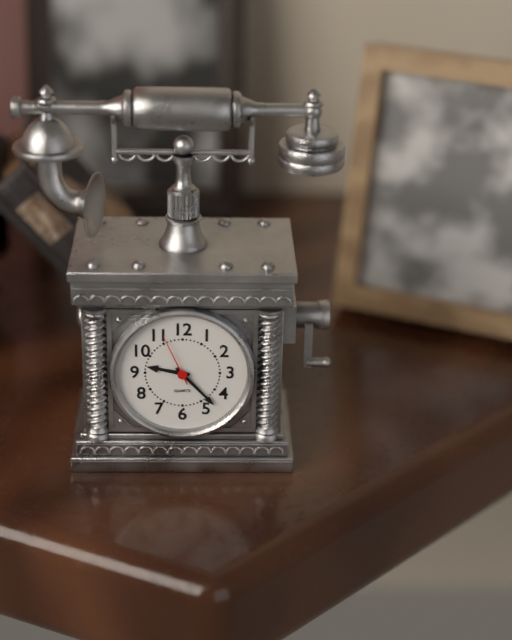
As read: h=9 m=23 s=56
